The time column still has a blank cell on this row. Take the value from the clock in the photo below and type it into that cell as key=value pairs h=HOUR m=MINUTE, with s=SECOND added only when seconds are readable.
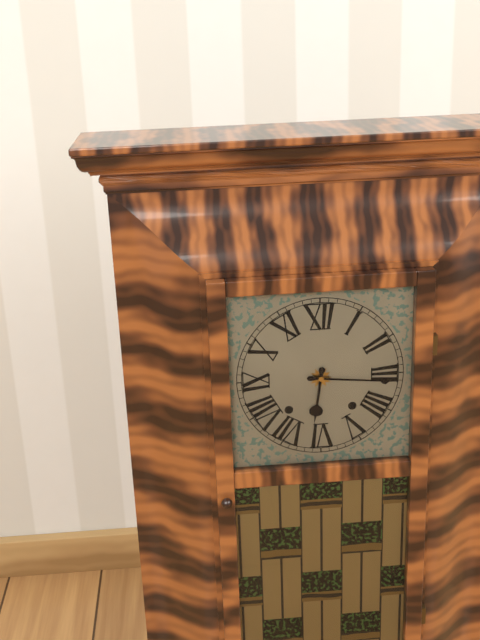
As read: h=6 m=16
